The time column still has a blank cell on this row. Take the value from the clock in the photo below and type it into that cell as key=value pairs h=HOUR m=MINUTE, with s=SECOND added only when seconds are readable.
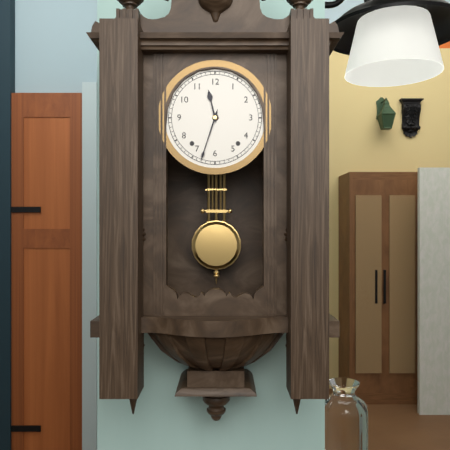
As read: h=11 m=33
